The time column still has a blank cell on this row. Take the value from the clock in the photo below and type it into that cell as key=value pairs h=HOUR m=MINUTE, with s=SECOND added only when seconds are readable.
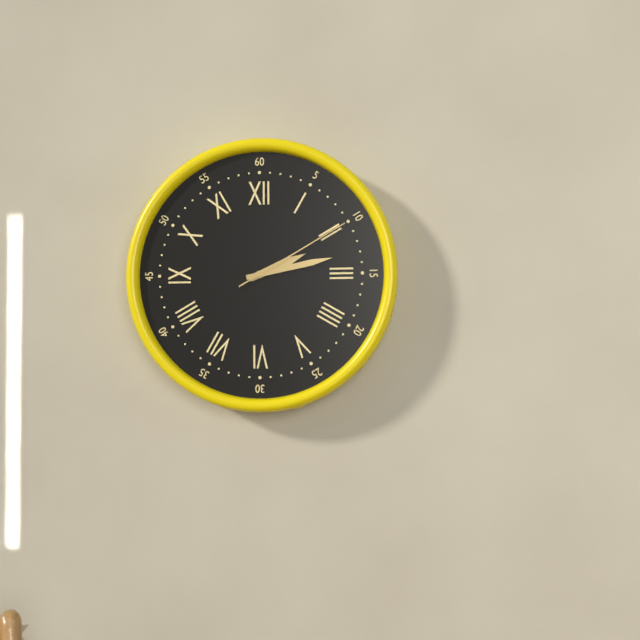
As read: h=2 m=13 s=10
